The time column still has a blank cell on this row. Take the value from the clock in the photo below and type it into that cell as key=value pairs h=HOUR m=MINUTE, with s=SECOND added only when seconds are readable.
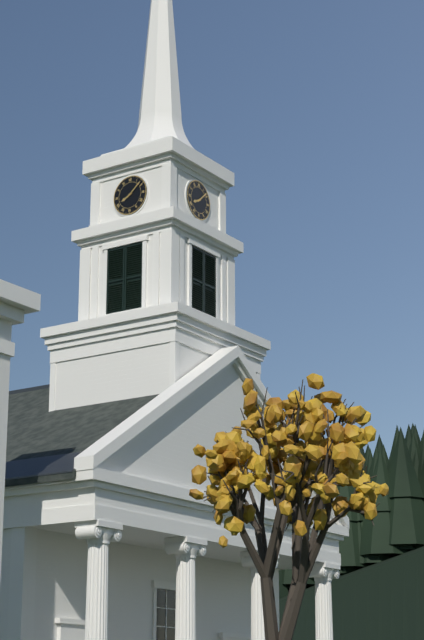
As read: h=8 m=8
